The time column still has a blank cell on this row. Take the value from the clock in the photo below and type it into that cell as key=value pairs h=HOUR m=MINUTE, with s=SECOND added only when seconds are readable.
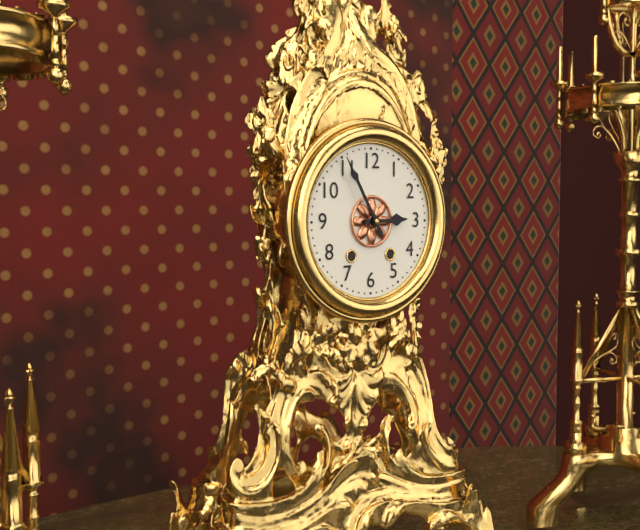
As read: h=2 m=55
